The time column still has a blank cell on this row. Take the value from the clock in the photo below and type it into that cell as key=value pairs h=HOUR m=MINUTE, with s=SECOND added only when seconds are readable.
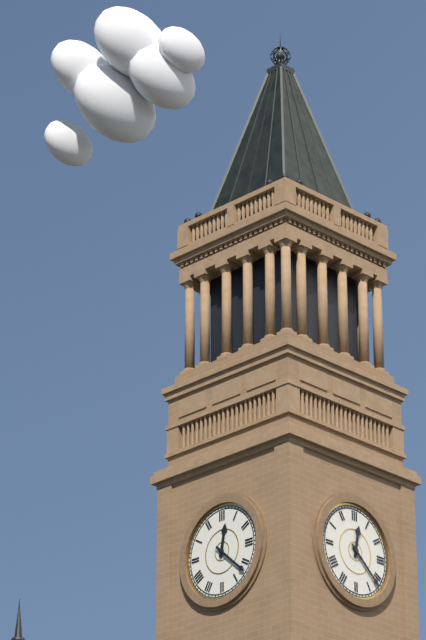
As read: h=12 m=22
